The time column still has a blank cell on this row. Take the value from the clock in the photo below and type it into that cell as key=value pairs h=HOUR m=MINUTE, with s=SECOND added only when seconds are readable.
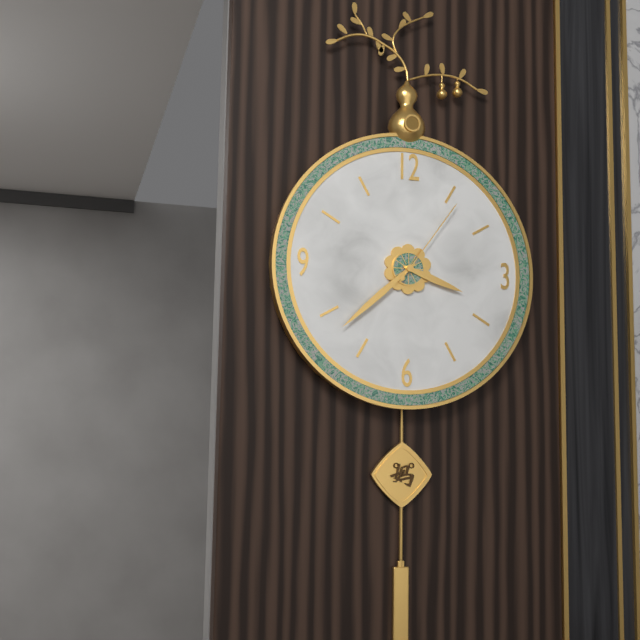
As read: h=3 m=38 s=6
